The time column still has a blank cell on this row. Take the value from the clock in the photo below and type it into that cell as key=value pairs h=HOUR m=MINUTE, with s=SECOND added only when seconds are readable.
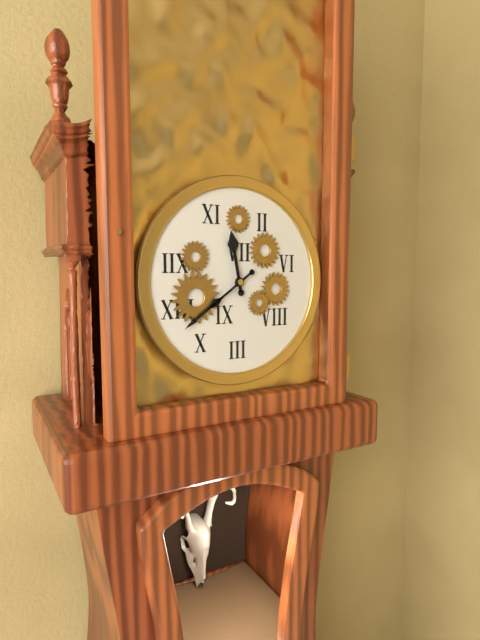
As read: h=11 m=39
